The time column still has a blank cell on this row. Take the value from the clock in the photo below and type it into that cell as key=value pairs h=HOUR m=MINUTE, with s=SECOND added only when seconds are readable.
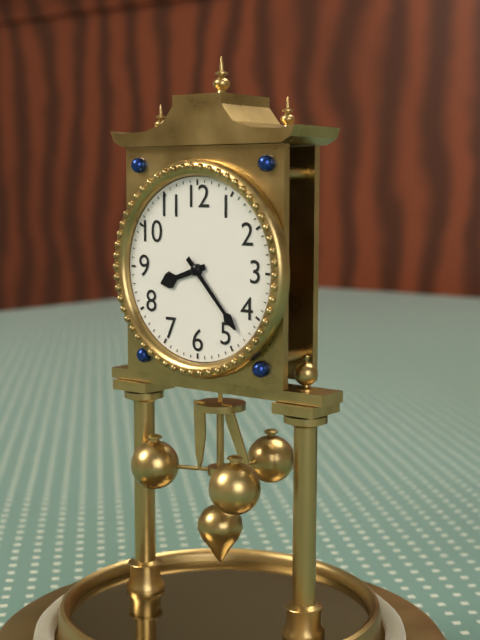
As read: h=8 m=23
